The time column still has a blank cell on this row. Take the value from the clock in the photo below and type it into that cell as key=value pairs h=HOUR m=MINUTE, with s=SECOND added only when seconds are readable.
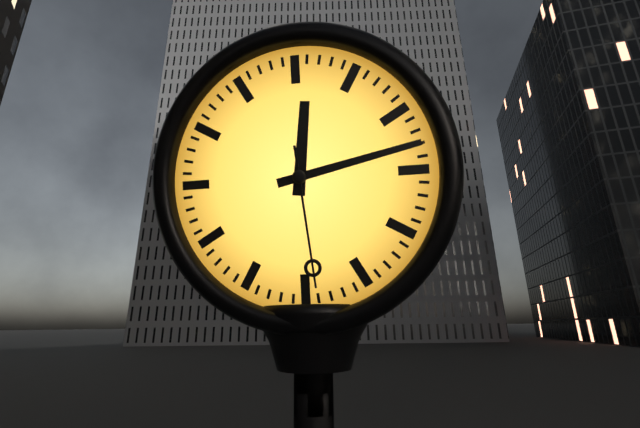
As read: h=12 m=13 s=29
